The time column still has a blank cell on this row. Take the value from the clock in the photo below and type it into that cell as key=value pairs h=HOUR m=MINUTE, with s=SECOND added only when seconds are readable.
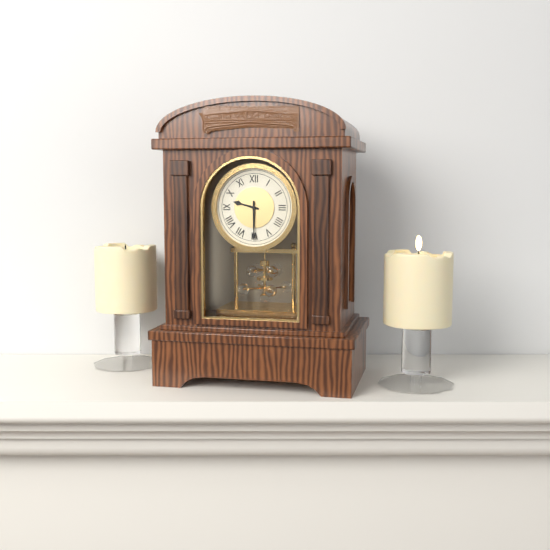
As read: h=9 m=30
